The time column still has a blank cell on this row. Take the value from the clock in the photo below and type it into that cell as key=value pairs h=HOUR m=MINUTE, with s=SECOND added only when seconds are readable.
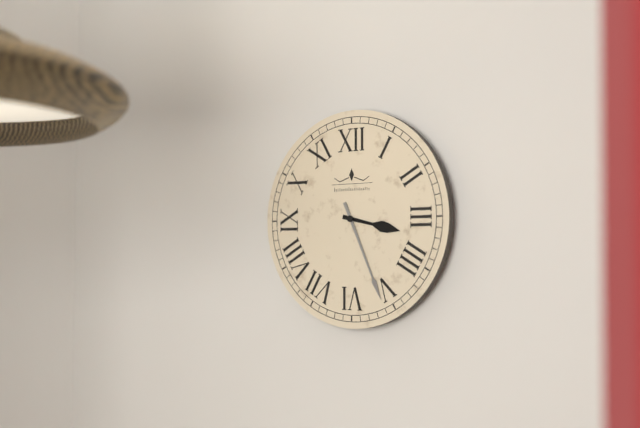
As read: h=3 m=26
